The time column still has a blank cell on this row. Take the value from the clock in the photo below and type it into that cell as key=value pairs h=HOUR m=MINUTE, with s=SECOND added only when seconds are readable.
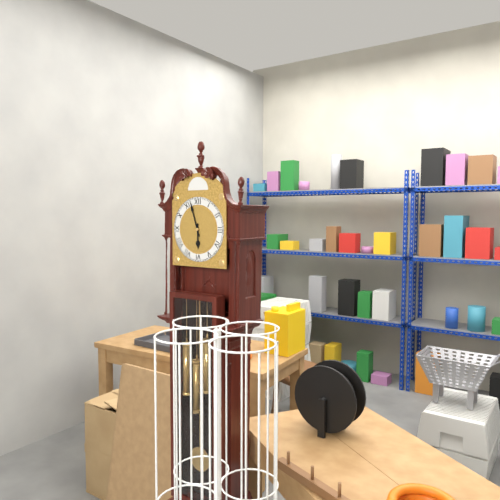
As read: h=5 m=57
